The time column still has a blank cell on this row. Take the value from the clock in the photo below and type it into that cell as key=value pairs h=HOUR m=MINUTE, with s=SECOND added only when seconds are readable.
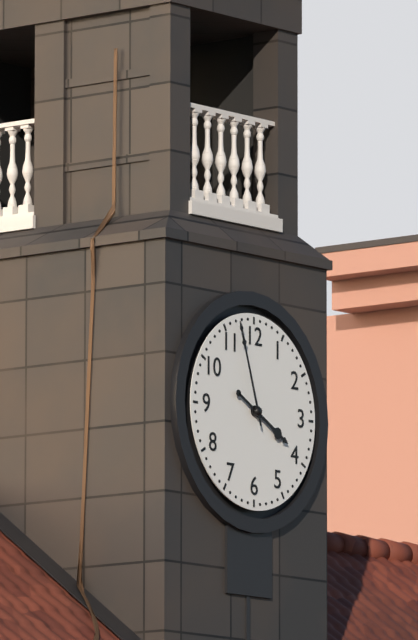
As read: h=3 m=57
